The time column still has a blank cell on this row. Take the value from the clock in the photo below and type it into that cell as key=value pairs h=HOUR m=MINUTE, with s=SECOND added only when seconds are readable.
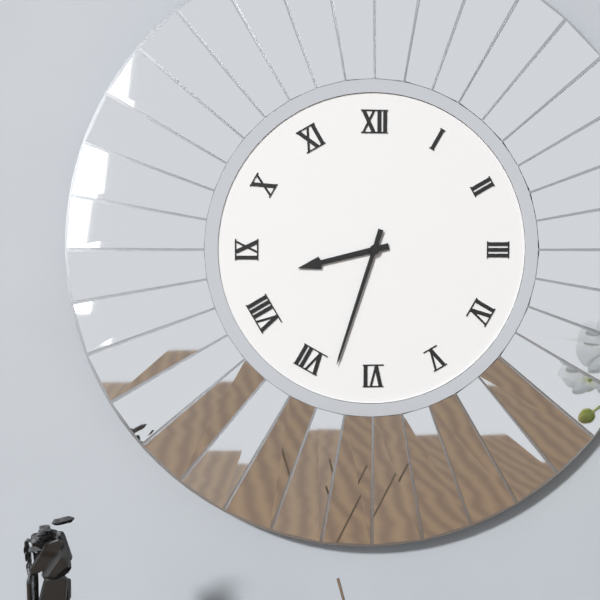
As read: h=8 m=33
